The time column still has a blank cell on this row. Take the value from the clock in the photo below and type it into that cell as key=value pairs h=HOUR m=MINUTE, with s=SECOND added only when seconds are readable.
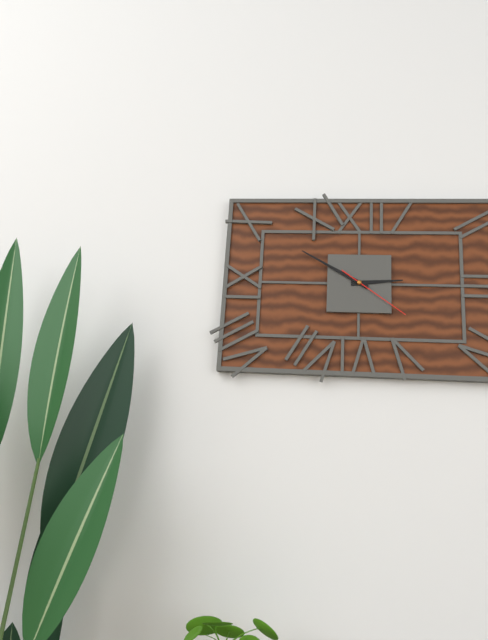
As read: h=2 m=50 s=21
